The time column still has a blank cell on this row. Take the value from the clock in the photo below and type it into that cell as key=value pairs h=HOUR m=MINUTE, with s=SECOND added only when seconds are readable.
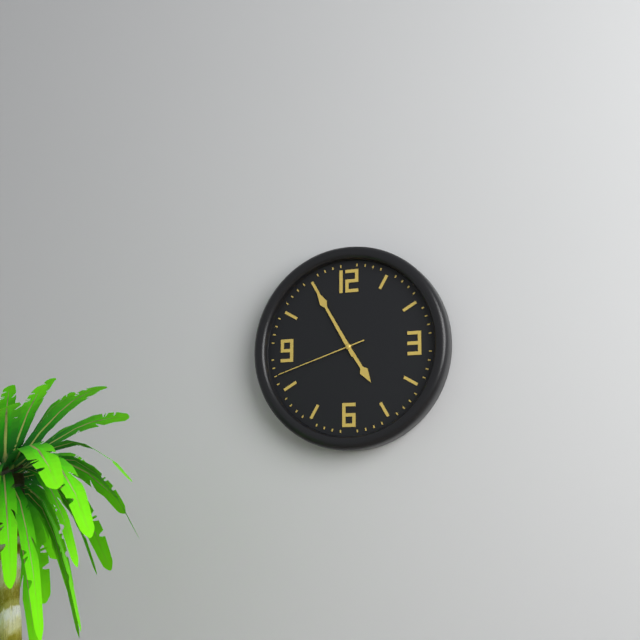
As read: h=4 m=55 s=42
